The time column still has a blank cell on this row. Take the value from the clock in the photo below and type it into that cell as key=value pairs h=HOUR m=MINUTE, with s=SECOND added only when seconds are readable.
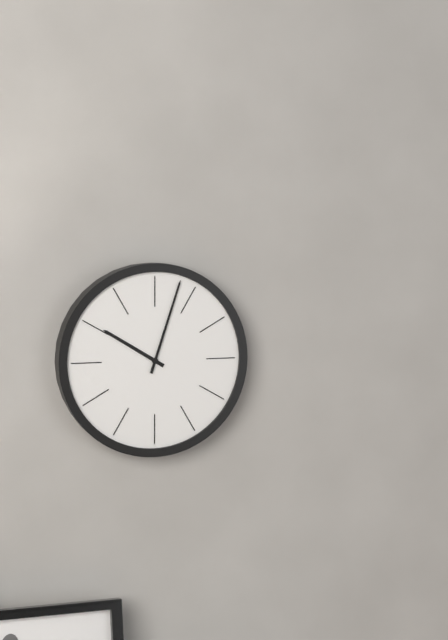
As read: h=10 m=3
